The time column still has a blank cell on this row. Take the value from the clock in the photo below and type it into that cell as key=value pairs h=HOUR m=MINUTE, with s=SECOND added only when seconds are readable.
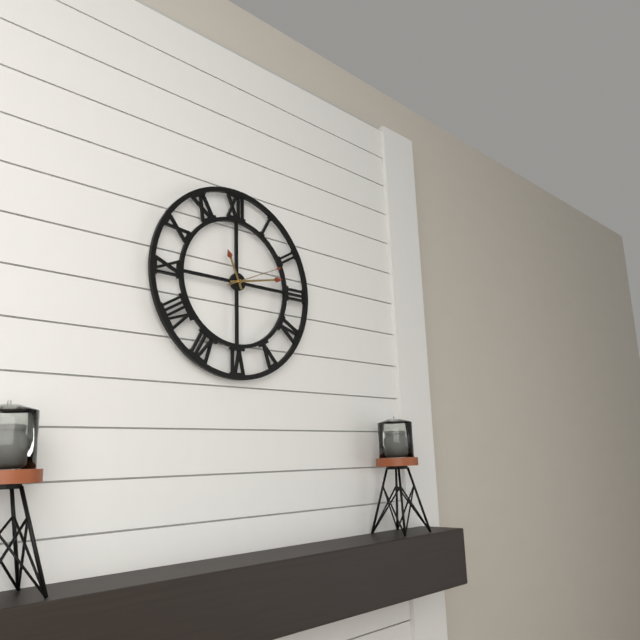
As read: h=11 m=13 s=11
